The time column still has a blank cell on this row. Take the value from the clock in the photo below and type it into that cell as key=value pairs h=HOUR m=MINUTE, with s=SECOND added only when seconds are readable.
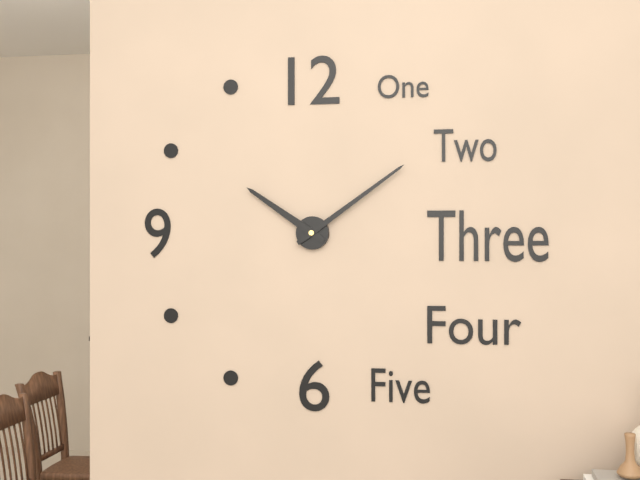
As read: h=10 m=9
